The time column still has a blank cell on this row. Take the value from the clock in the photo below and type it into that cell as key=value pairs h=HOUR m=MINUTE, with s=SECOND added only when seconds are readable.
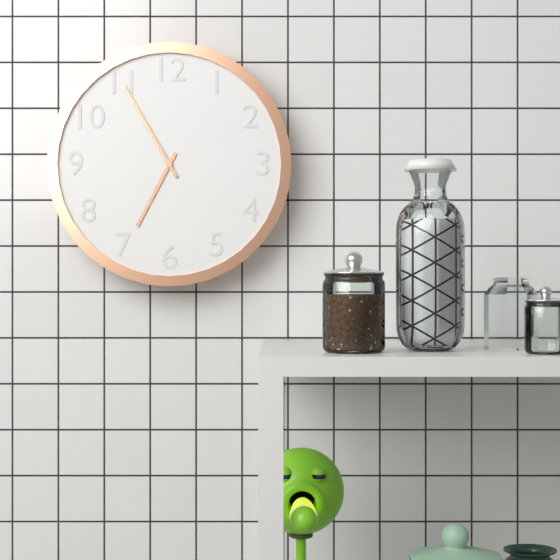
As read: h=6 m=55
